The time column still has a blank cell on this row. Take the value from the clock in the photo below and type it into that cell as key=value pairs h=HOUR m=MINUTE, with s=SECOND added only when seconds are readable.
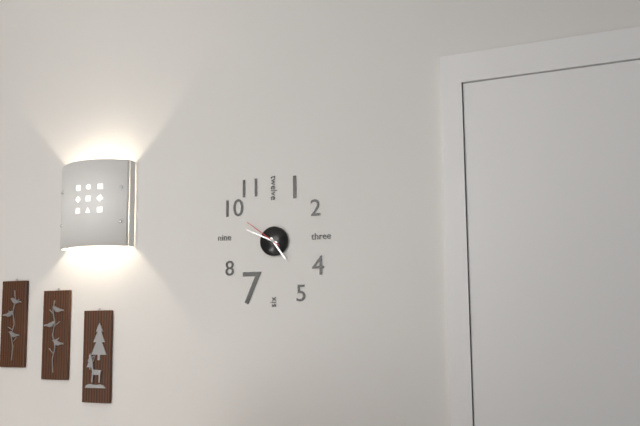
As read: h=4 m=49
